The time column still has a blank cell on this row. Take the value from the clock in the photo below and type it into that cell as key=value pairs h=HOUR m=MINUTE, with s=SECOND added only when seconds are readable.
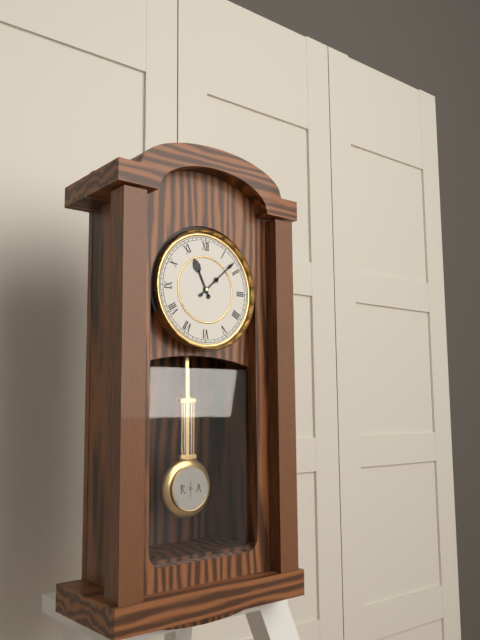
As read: h=11 m=8
